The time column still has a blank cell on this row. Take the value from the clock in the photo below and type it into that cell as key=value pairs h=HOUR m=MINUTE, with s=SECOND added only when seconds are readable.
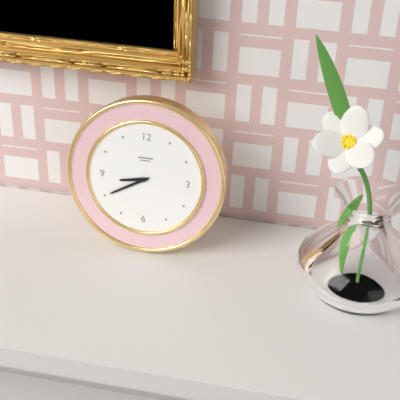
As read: h=8 m=40
